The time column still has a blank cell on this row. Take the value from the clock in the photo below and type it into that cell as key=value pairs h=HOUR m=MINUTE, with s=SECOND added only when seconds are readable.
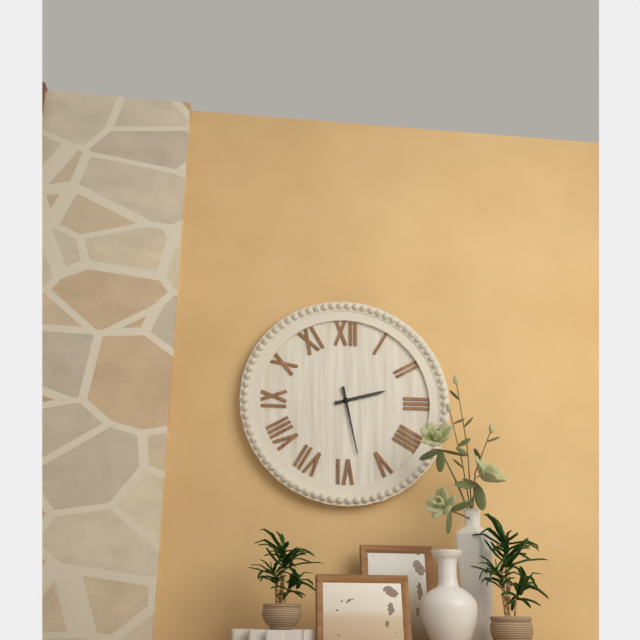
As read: h=2 m=28
